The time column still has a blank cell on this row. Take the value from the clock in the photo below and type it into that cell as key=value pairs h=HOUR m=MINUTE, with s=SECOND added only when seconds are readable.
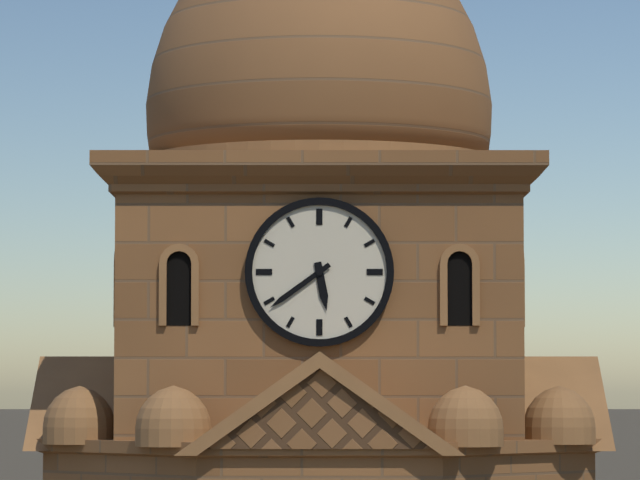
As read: h=5 m=39
